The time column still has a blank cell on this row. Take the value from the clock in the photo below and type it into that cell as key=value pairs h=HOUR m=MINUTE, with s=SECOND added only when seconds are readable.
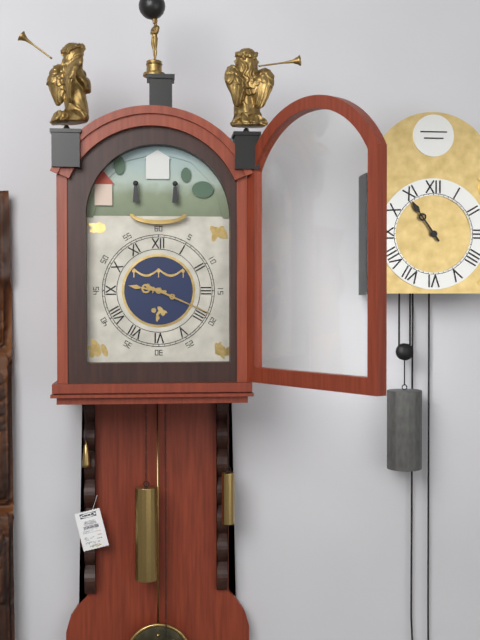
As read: h=9 m=19
